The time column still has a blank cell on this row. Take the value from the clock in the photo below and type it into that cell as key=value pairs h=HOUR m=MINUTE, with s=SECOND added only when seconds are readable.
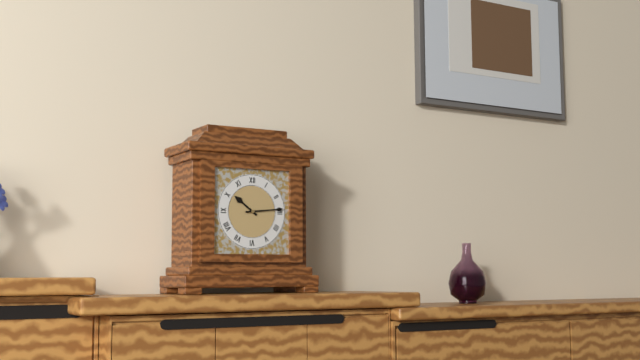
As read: h=10 m=14
